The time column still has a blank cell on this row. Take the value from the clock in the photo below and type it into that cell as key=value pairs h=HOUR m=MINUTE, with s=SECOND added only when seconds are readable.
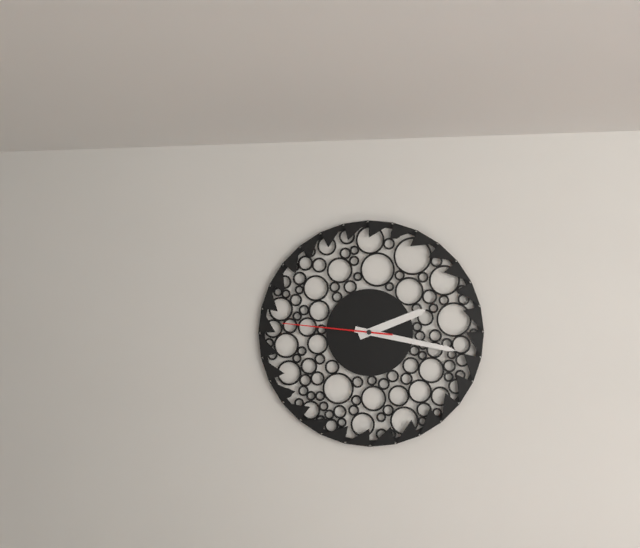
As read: h=2 m=17 s=46
